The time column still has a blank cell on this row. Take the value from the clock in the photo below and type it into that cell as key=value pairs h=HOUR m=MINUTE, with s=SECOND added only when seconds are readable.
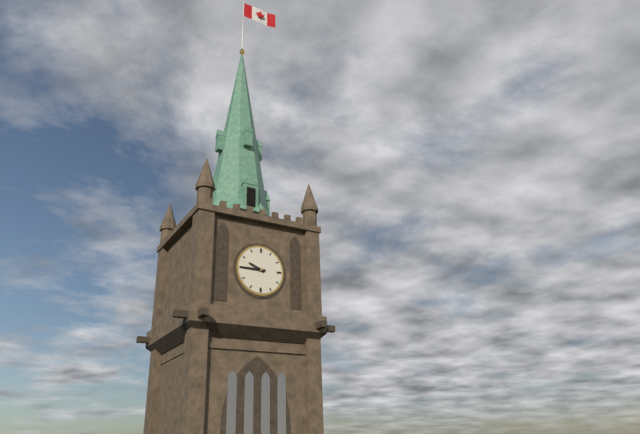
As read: h=9 m=45
